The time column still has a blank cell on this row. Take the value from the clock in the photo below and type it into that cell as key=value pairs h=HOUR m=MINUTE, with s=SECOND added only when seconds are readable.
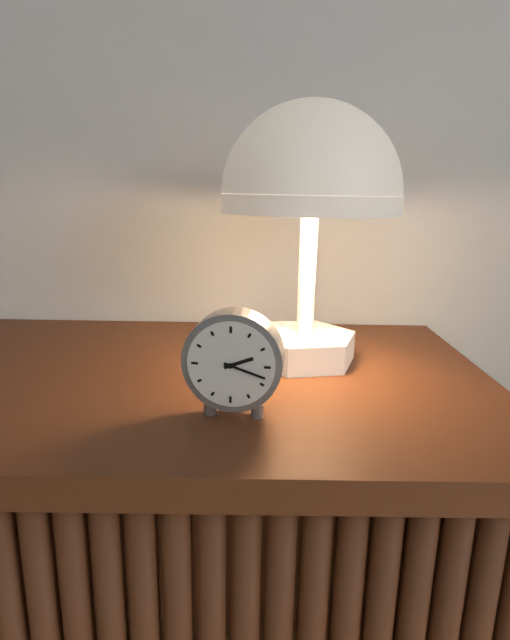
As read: h=2 m=18
